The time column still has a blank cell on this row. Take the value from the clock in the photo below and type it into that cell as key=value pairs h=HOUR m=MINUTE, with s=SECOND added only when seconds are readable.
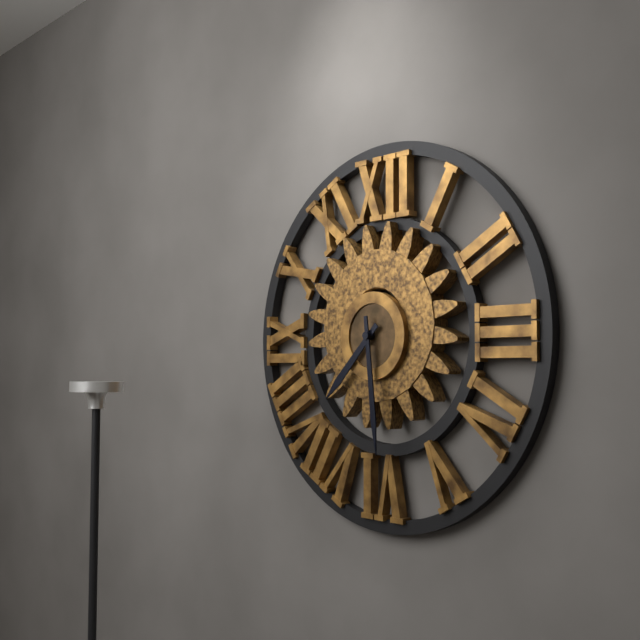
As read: h=7 m=29
